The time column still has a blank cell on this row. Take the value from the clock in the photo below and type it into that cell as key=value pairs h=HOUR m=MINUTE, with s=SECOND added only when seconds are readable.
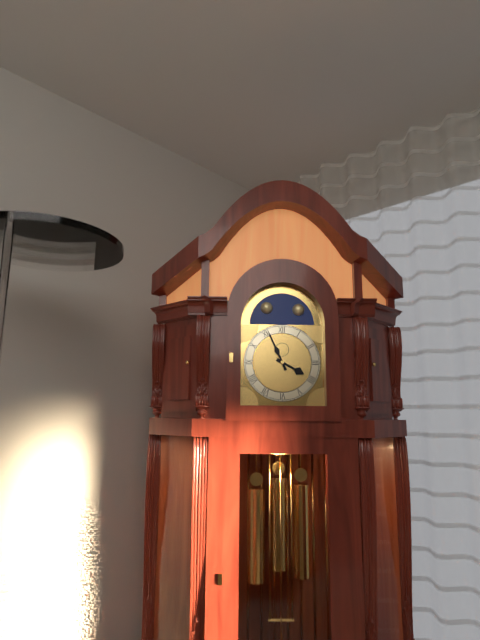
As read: h=3 m=56
